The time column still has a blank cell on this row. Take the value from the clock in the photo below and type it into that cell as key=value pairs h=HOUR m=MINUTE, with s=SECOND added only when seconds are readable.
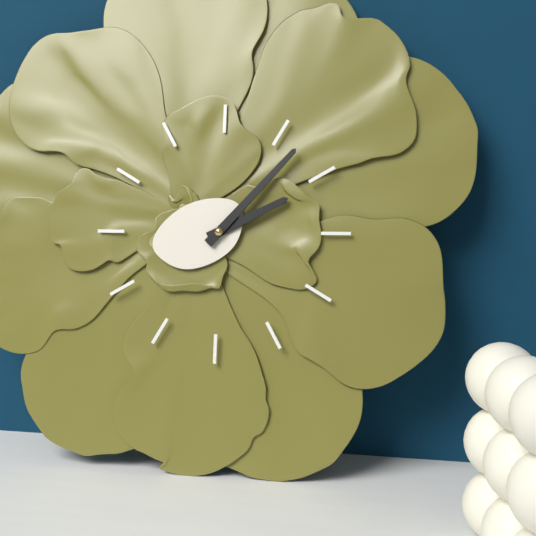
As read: h=2 m=7
